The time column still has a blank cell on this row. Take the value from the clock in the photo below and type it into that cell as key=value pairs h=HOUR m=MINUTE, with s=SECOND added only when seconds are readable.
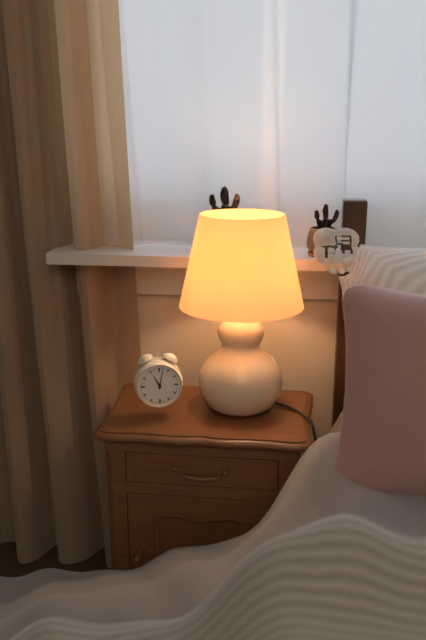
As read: h=11 m=2
